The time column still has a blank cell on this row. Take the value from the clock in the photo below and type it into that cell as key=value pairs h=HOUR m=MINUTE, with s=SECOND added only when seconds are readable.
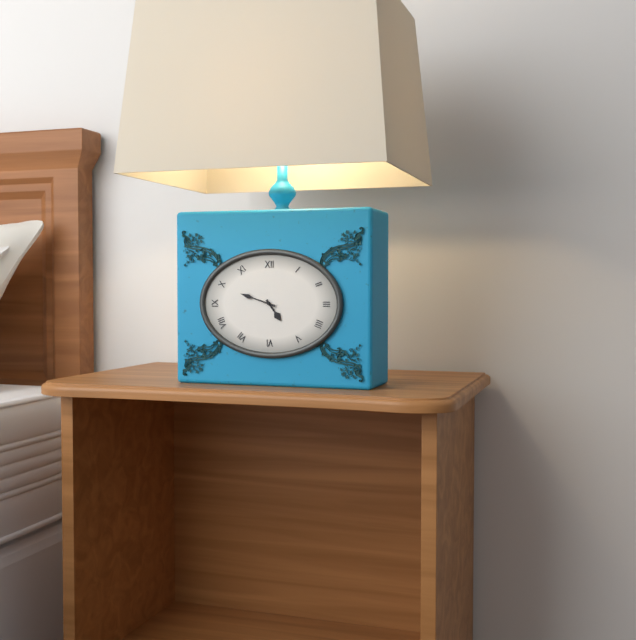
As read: h=4 m=48
